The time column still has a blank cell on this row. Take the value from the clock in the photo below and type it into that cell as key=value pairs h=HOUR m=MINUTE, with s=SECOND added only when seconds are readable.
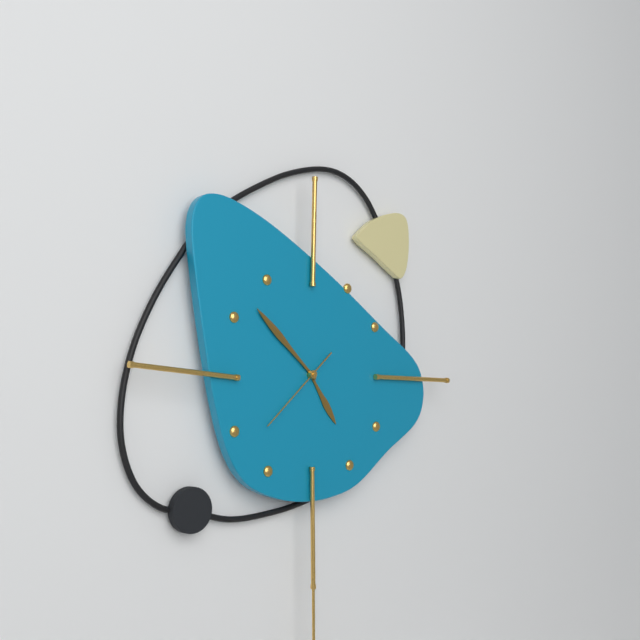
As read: h=4 m=52 s=38
